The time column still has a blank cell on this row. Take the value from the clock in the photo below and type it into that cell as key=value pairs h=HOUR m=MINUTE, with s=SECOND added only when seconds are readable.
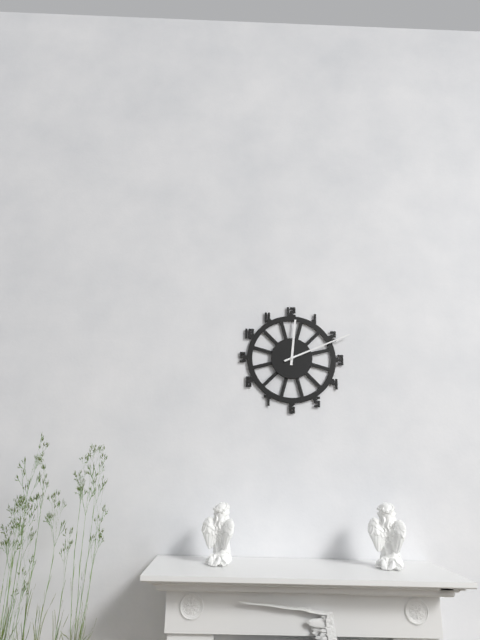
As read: h=12 m=11
